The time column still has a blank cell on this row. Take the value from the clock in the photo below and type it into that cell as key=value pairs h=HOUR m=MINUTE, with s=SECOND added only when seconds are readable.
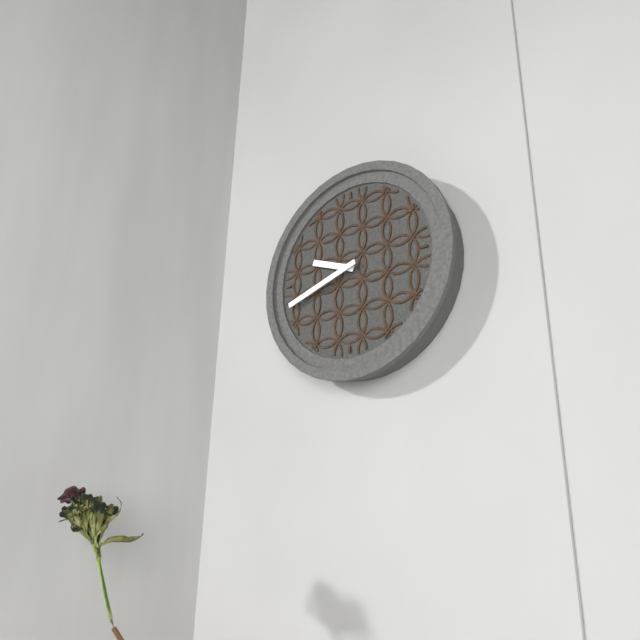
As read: h=9 m=42
